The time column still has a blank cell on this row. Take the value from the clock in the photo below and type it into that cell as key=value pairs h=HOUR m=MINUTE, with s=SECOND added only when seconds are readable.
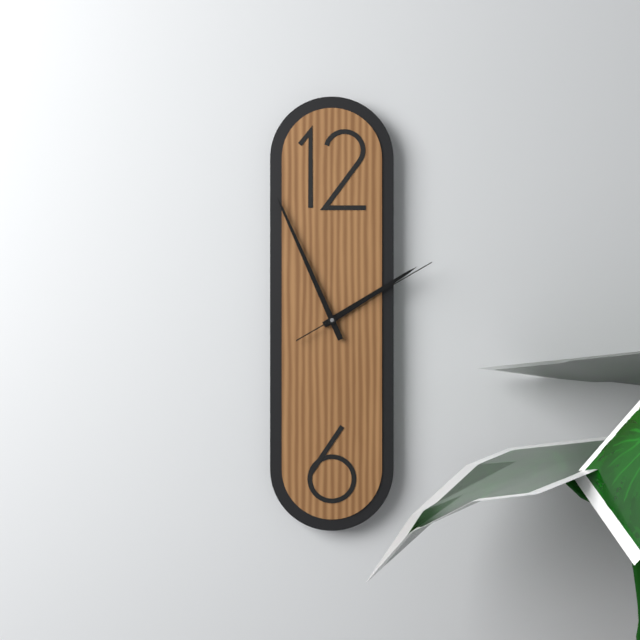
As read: h=1 m=56 s=10
